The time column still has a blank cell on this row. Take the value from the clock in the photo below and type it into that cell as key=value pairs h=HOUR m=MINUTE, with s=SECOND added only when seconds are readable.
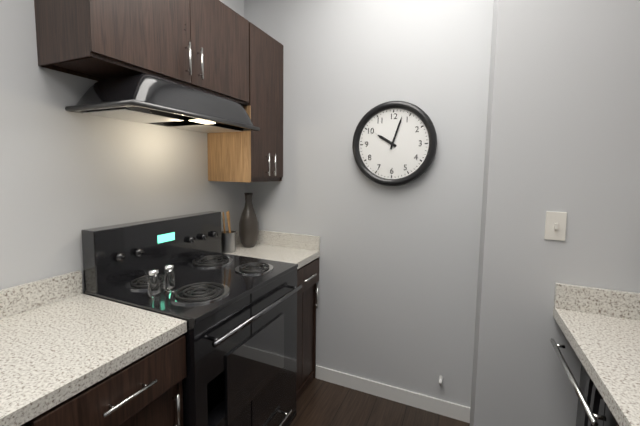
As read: h=10 m=3
